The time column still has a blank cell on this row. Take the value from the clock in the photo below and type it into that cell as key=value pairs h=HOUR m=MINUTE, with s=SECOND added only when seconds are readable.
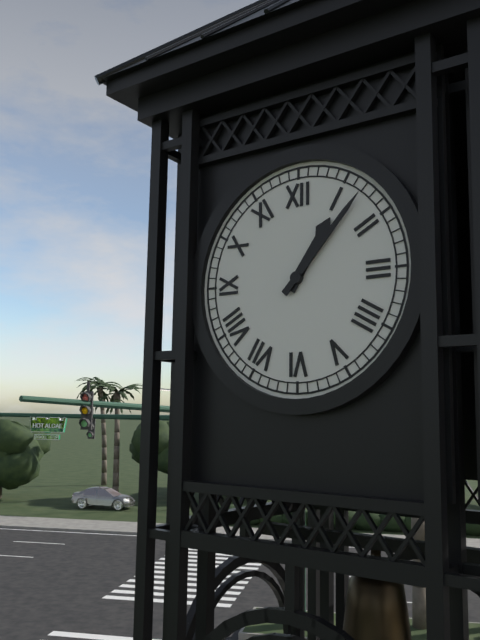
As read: h=1 m=7
